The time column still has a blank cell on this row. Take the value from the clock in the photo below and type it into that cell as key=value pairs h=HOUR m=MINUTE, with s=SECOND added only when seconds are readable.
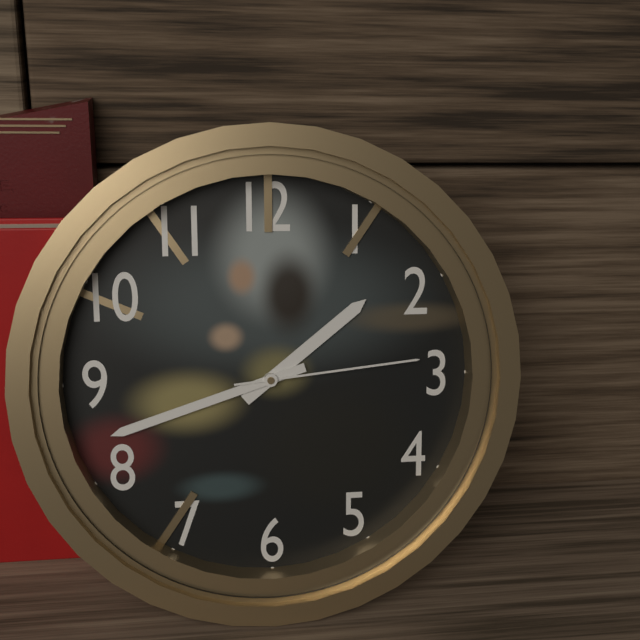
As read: h=1 m=42 s=14
